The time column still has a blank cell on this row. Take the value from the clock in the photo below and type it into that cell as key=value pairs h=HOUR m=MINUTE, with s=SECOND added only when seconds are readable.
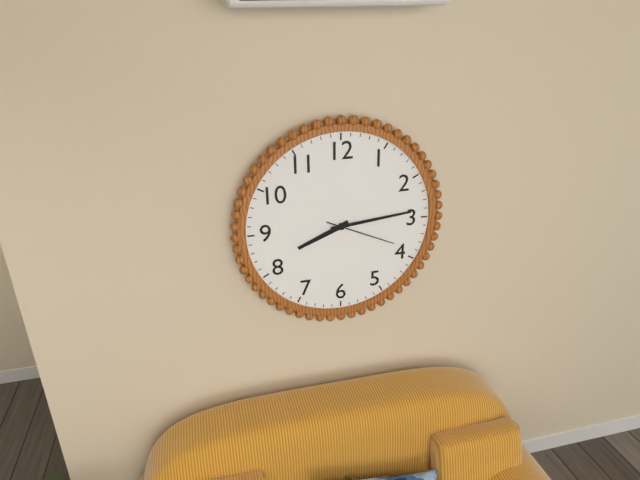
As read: h=8 m=14 s=19
